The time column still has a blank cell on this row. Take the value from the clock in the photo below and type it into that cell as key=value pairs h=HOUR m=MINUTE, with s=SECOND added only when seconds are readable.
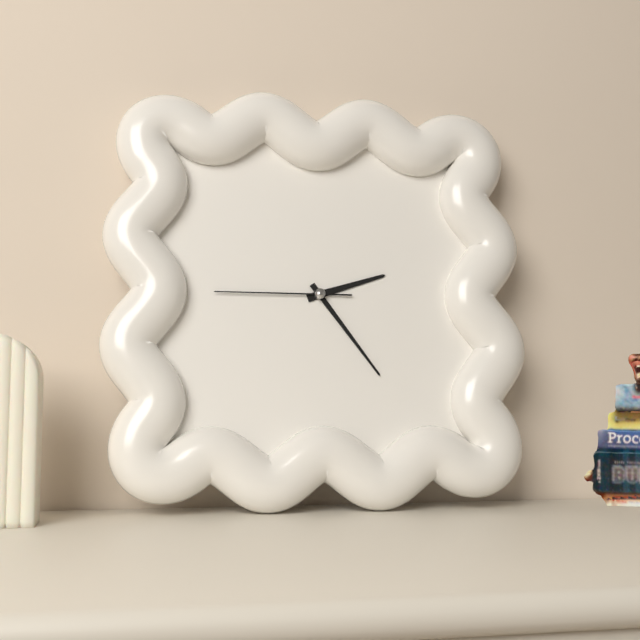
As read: h=2 m=24 s=45
